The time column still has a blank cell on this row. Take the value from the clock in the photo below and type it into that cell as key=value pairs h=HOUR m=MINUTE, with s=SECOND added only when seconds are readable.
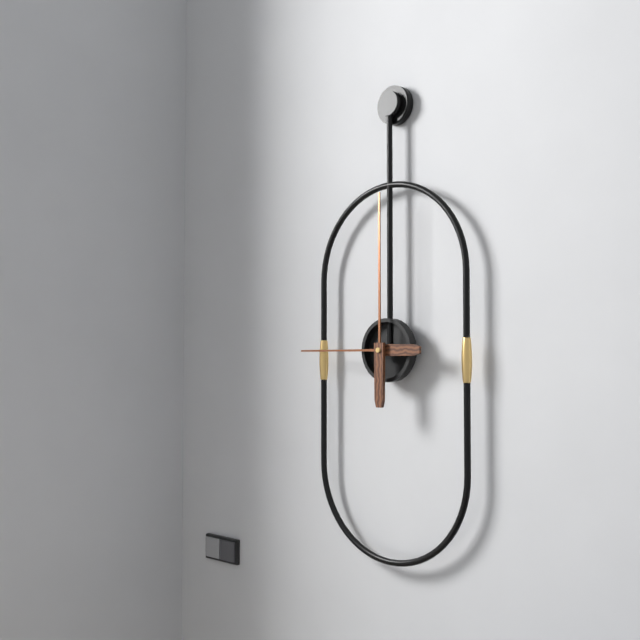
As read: h=9 m=0
